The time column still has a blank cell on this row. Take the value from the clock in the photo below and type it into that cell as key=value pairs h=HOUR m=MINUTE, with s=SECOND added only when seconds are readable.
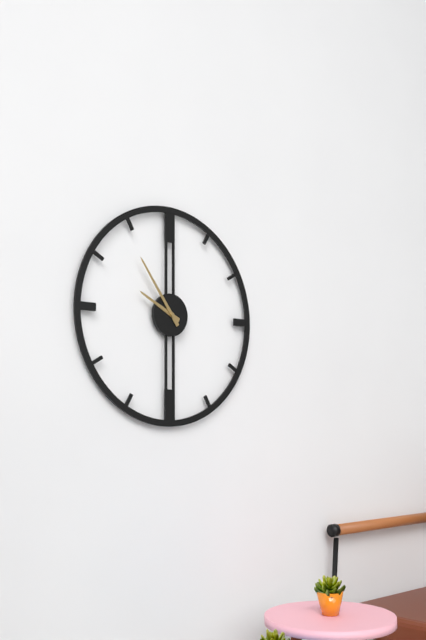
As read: h=9 m=54
